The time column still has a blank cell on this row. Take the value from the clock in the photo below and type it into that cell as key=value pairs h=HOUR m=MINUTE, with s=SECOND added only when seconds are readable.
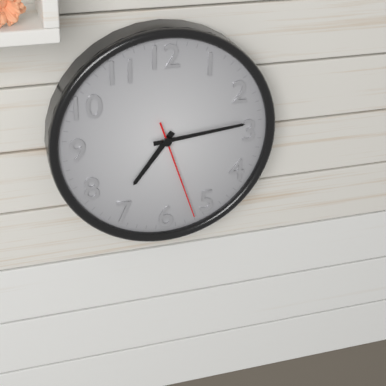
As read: h=7 m=14 s=27
